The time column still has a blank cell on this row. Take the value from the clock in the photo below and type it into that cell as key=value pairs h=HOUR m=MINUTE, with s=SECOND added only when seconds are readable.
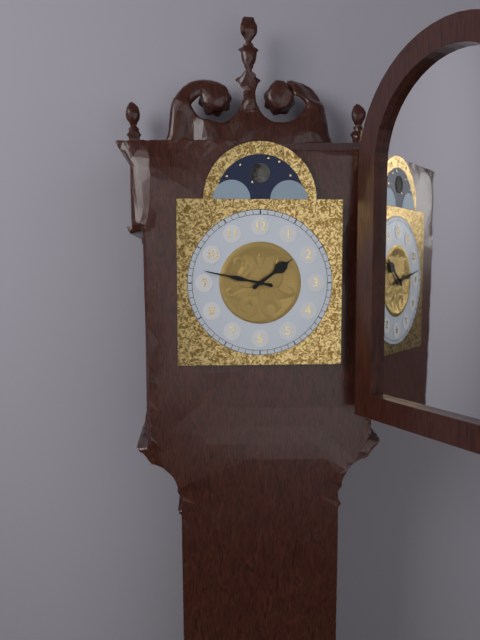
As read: h=1 m=47
